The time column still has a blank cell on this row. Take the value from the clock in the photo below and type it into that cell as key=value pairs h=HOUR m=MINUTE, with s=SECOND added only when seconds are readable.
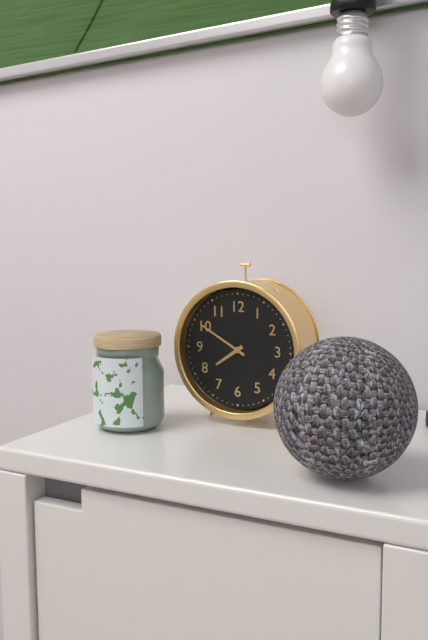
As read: h=7 m=50
